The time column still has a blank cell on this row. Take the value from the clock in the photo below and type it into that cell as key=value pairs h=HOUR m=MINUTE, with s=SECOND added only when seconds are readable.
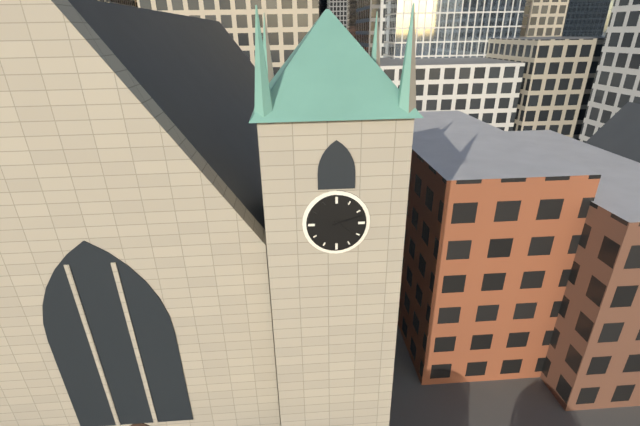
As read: h=4 m=12
